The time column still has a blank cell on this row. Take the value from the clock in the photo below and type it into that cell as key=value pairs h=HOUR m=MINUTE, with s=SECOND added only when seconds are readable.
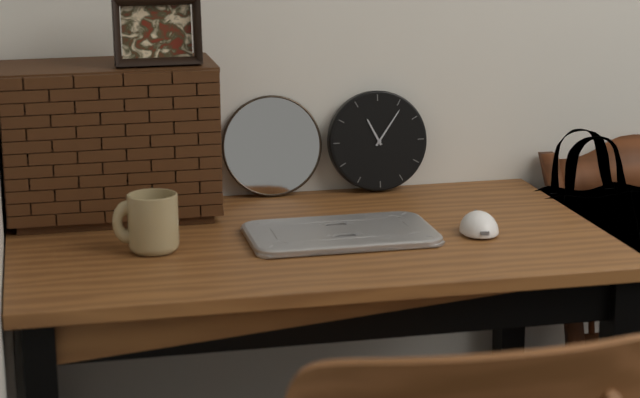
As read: h=11 m=6
